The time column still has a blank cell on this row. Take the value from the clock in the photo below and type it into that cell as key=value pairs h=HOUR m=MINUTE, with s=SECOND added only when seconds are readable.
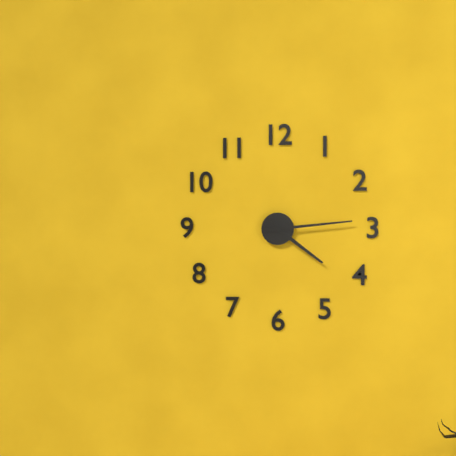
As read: h=4 m=14
